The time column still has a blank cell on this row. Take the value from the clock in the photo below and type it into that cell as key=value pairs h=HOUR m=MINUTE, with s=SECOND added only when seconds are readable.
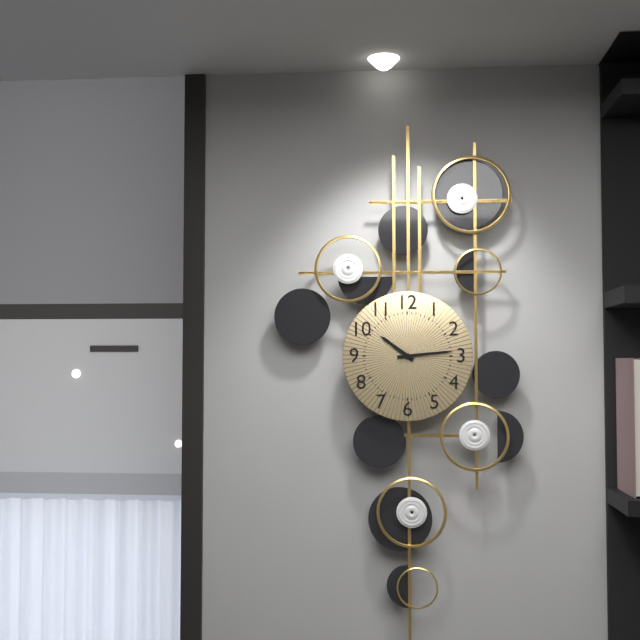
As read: h=10 m=14
